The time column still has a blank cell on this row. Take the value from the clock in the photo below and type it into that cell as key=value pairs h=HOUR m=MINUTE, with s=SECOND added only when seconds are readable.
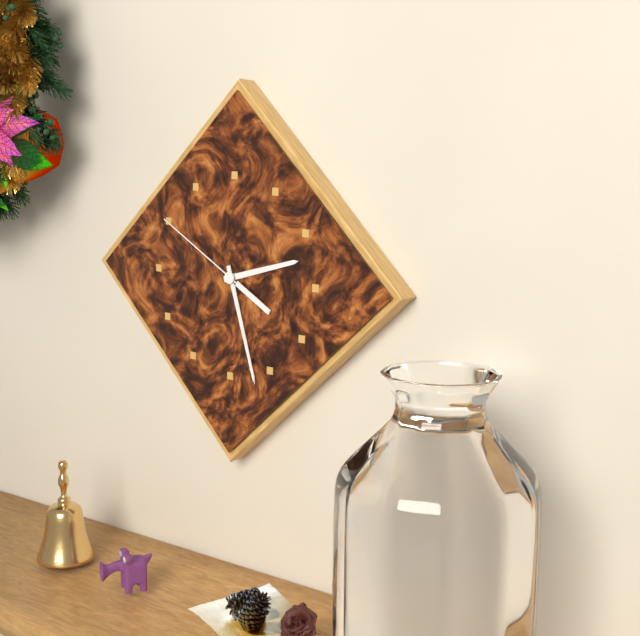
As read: h=2 m=27 s=50
